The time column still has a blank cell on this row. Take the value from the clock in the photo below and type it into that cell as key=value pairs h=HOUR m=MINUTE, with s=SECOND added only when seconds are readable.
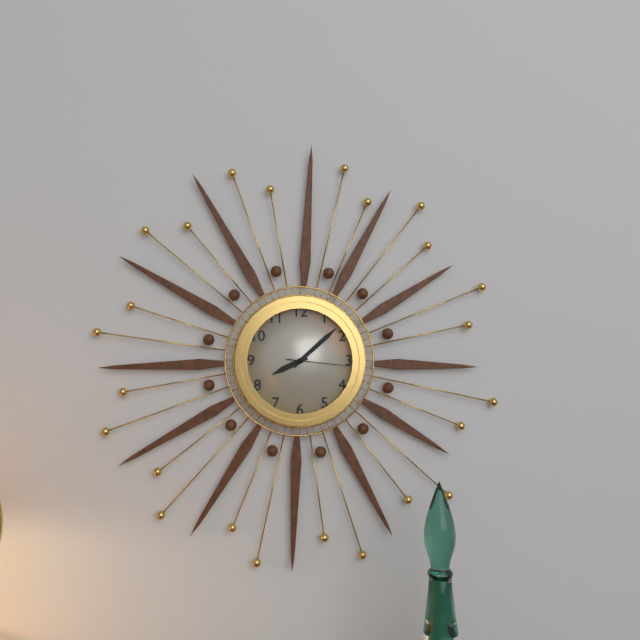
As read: h=8 m=8 s=16
